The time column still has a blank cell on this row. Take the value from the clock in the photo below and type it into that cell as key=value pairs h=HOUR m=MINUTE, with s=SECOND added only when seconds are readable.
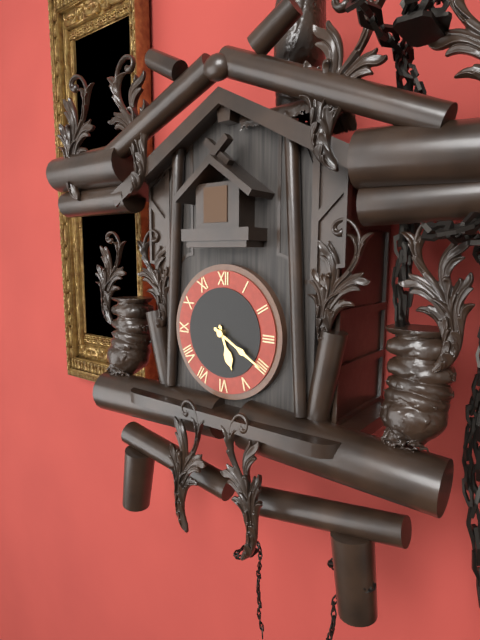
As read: h=5 m=20
